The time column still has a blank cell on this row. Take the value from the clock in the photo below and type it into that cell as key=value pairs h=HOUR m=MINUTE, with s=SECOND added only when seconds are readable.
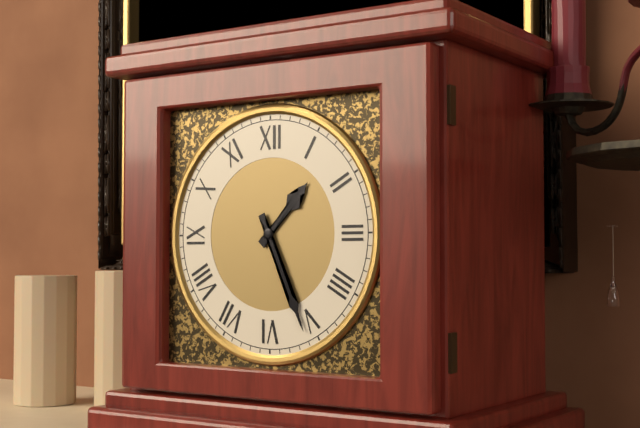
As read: h=1 m=26
